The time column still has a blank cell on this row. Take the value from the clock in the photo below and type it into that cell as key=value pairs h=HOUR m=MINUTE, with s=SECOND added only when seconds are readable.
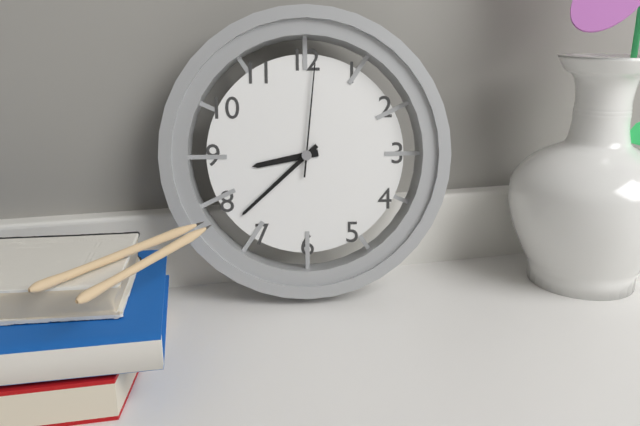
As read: h=8 m=38 s=1
